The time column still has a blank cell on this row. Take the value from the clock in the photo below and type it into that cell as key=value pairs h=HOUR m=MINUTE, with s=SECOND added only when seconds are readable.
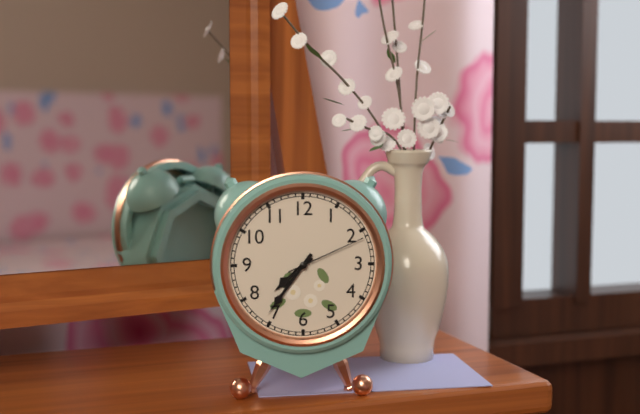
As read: h=7 m=36 s=11
